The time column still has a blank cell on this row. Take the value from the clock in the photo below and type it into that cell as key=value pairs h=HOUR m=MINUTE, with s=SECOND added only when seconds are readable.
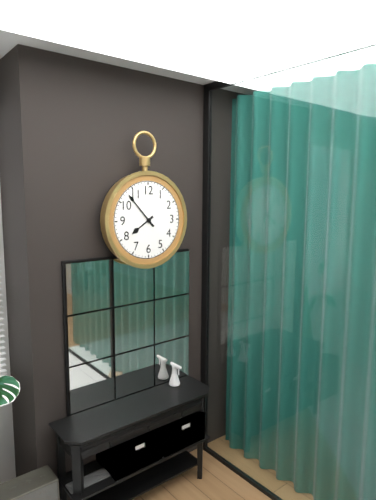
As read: h=7 m=53
